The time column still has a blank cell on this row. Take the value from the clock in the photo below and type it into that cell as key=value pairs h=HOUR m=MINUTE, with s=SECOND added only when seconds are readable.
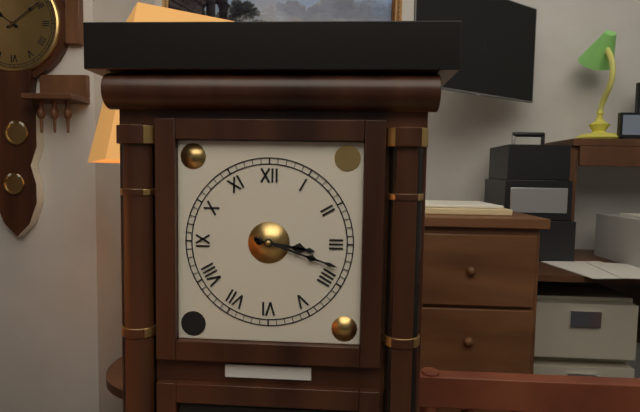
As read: h=3 m=18
